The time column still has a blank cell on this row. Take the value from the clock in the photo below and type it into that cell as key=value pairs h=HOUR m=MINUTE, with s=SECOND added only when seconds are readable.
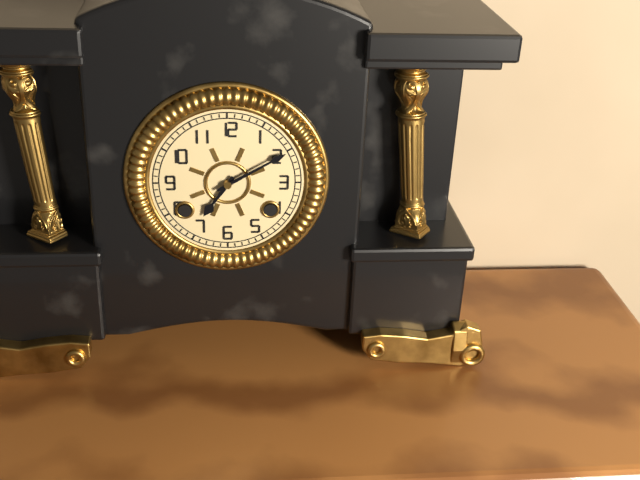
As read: h=7 m=10
